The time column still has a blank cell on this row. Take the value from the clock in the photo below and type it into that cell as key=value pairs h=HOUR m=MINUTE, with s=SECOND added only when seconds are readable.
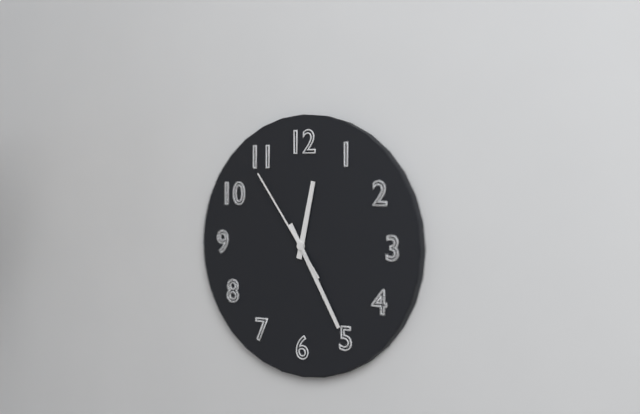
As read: h=12 m=25 s=54
